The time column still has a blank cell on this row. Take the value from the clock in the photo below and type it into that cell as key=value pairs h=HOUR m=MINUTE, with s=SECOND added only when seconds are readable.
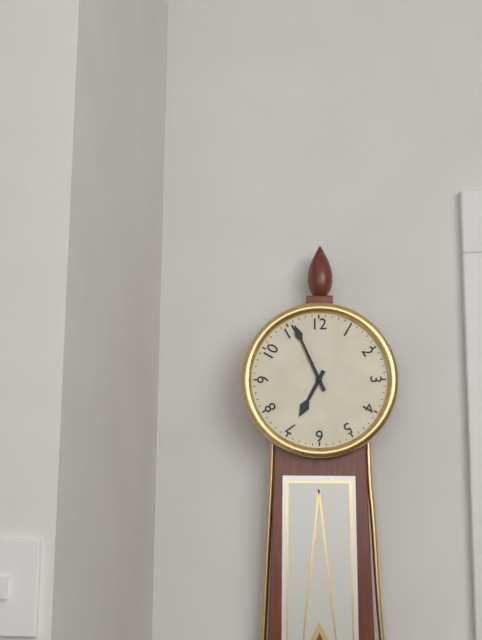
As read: h=6 m=56
